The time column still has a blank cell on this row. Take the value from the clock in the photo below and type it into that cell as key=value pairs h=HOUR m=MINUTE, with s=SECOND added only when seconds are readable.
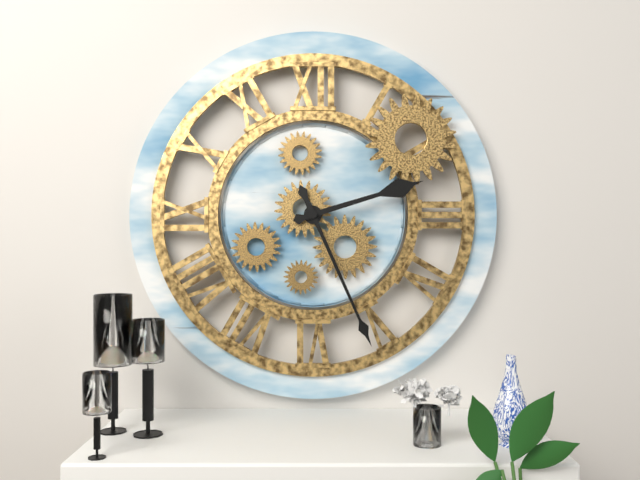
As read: h=2 m=26
